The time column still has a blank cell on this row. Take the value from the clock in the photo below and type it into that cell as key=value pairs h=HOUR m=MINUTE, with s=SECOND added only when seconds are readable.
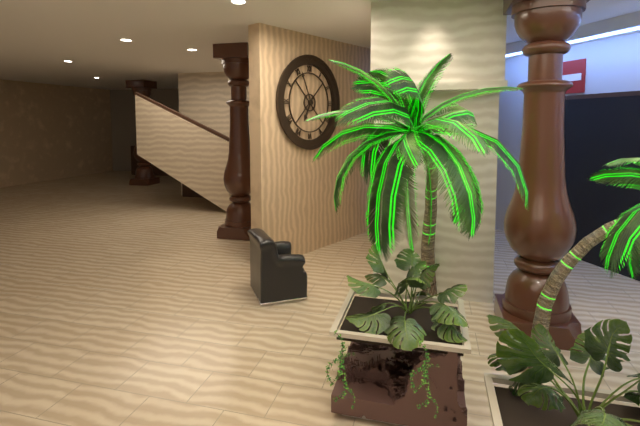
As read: h=6 m=56
